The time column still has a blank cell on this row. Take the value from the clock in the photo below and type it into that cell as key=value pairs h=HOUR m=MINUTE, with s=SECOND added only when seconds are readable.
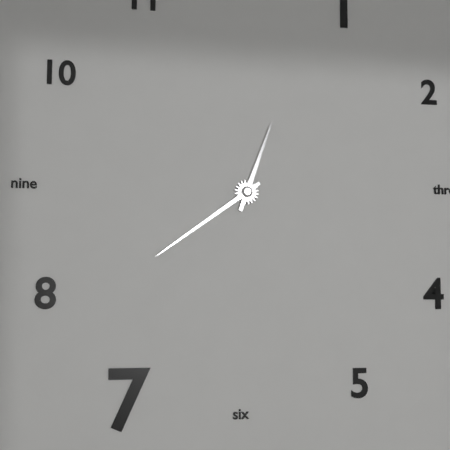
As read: h=12 m=39
